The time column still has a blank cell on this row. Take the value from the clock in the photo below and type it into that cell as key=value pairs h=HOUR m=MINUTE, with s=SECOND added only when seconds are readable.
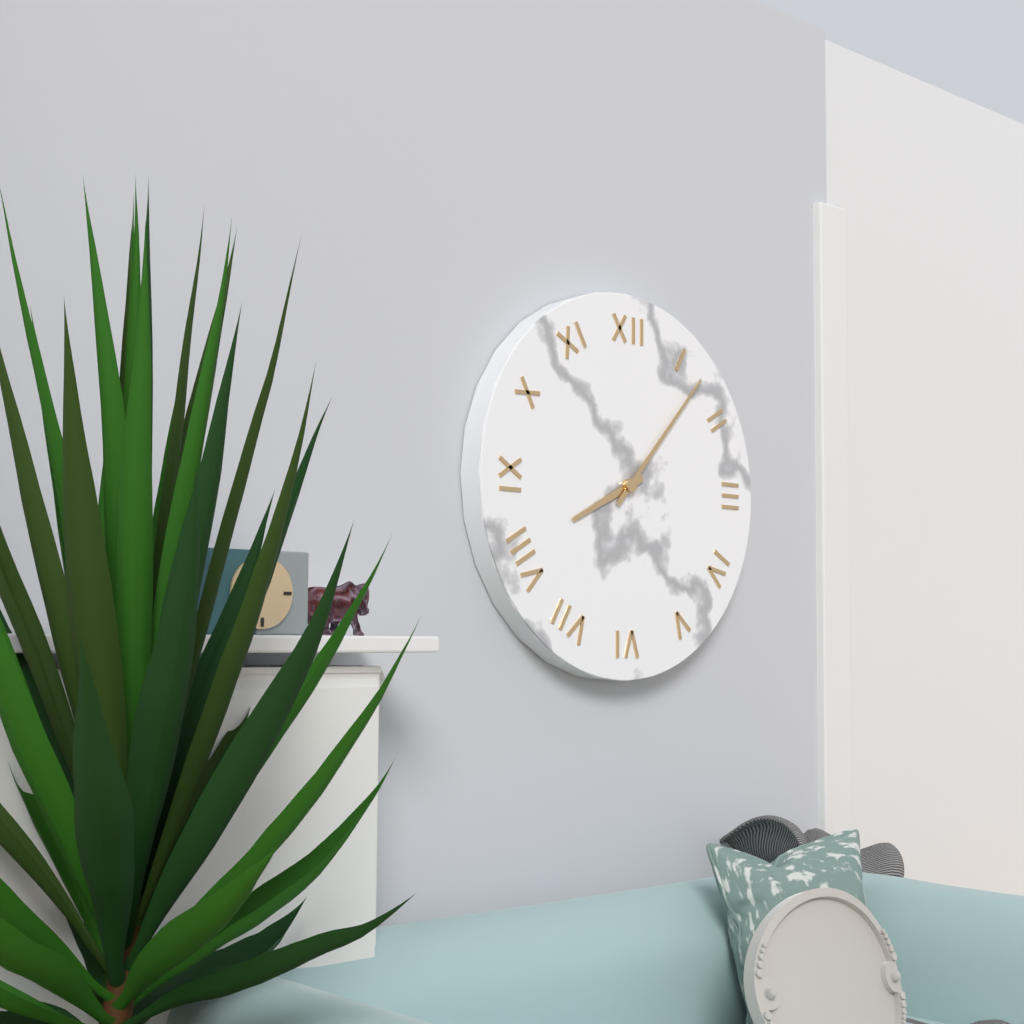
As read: h=8 m=7
